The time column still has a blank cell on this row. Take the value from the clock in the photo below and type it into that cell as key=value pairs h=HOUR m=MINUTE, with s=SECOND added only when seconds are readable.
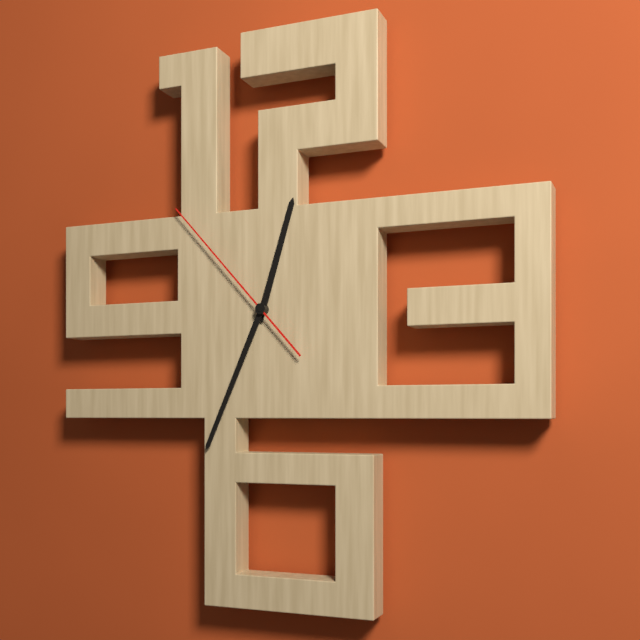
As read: h=12 m=34 s=53
